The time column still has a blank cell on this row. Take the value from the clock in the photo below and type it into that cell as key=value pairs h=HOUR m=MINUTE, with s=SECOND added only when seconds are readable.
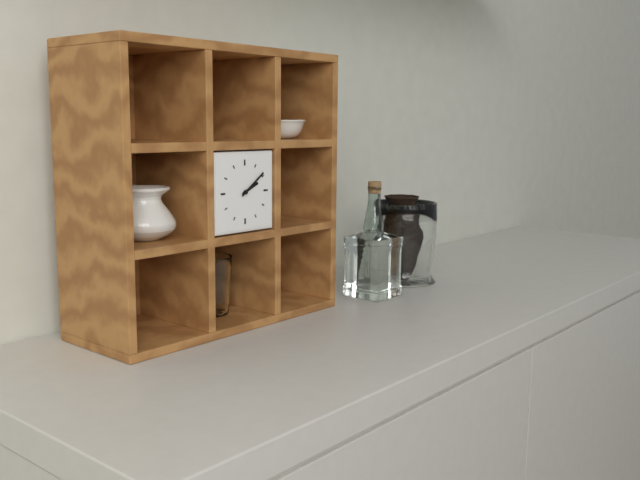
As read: h=2 m=9
